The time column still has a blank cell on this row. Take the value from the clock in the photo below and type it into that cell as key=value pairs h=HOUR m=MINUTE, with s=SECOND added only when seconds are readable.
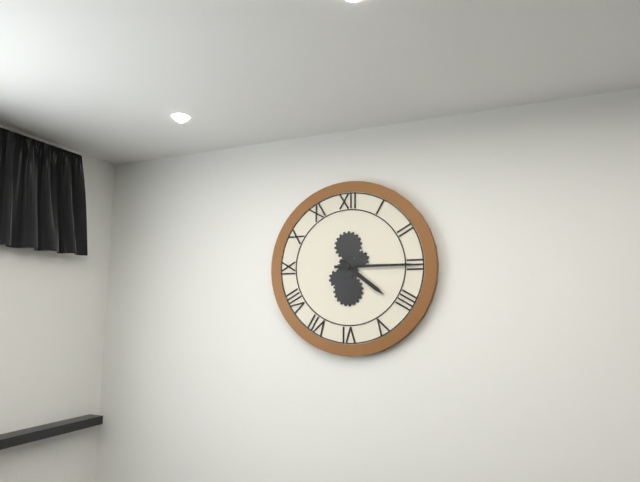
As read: h=4 m=15
